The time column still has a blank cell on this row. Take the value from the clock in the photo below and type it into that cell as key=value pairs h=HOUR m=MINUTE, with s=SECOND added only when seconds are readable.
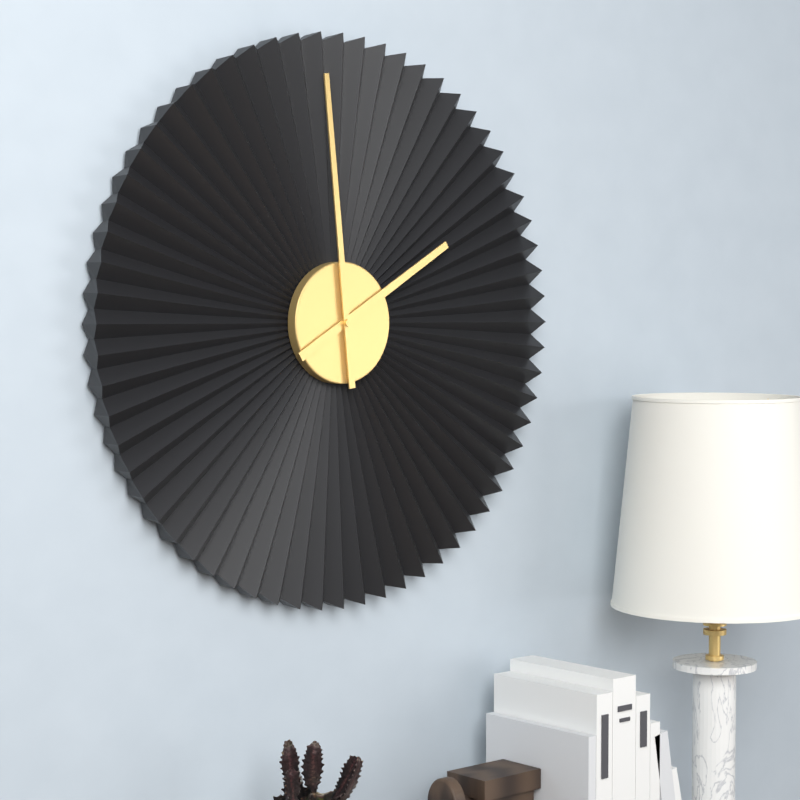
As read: h=1 m=59
